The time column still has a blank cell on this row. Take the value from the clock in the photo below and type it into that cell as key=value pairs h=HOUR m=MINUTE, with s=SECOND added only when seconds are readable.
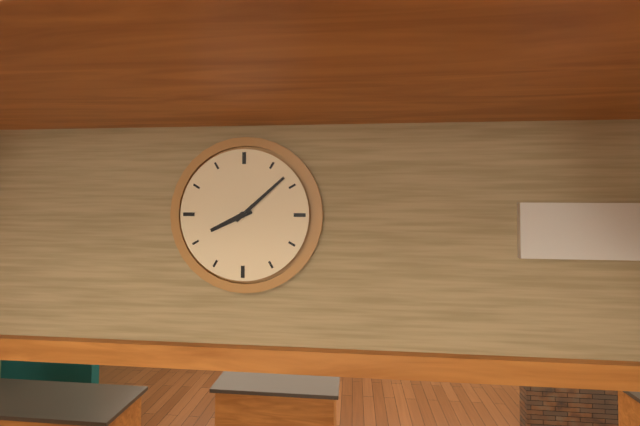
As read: h=8 m=8
